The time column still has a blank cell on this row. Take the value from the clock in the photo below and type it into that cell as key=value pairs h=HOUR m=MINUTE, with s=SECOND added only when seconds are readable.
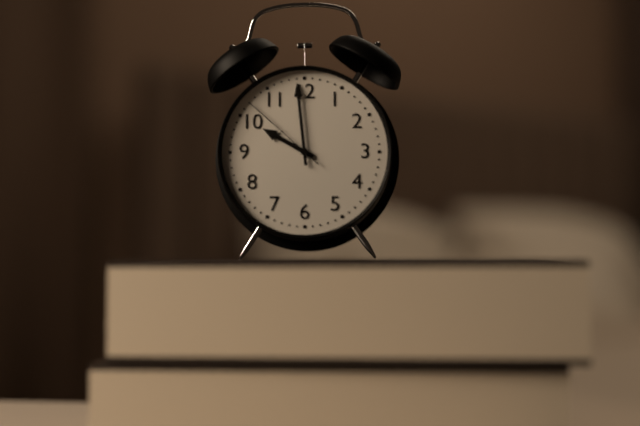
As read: h=9 m=59 s=52
